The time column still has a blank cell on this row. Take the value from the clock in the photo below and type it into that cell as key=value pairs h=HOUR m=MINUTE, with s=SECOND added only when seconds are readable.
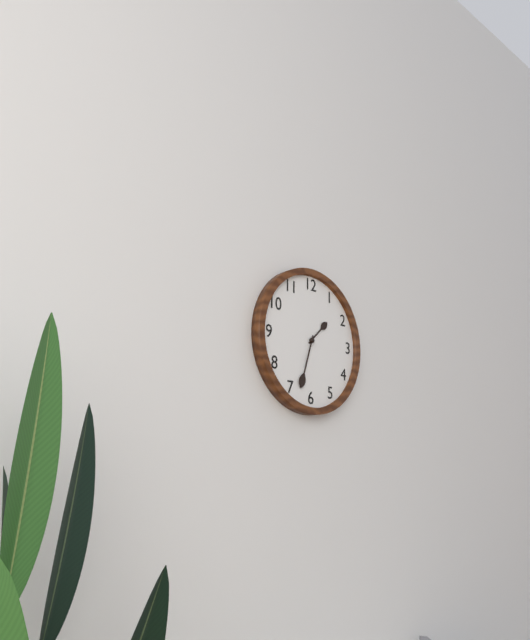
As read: h=1 m=33
